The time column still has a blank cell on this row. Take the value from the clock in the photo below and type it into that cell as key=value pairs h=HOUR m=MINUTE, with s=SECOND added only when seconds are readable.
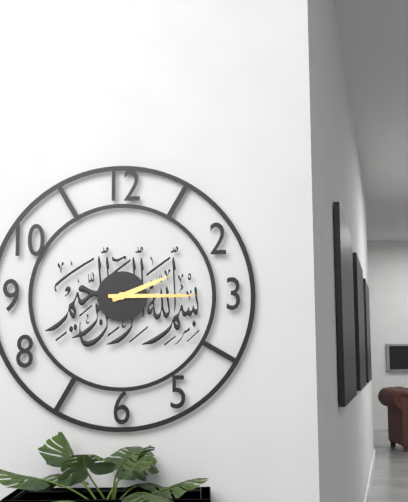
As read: h=2 m=15
